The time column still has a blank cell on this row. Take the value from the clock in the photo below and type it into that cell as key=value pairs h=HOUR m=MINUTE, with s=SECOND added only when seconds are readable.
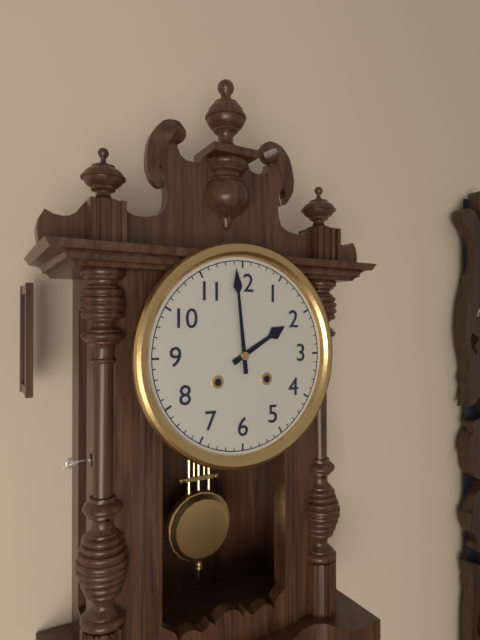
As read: h=1 m=59
